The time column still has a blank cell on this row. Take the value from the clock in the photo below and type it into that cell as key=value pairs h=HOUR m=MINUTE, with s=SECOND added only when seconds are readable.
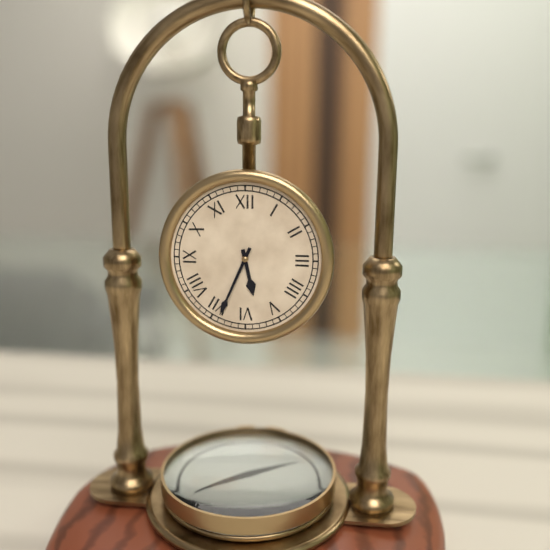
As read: h=5 m=34
